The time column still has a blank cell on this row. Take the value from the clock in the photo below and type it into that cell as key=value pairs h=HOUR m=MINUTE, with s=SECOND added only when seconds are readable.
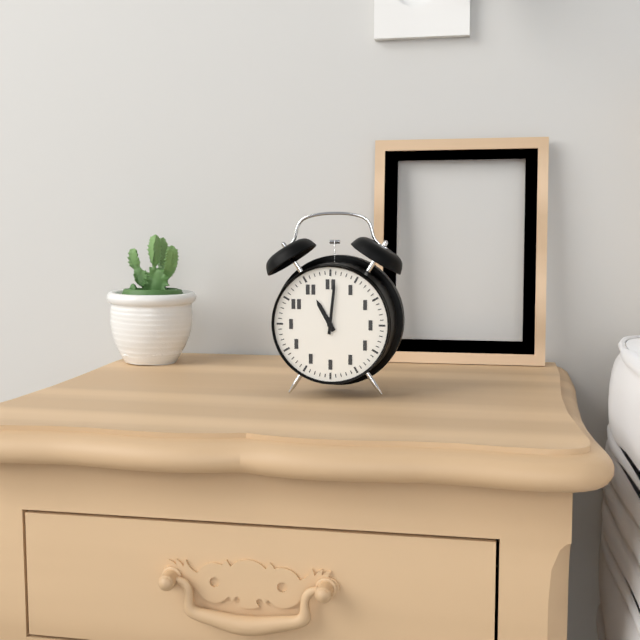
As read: h=11 m=1
